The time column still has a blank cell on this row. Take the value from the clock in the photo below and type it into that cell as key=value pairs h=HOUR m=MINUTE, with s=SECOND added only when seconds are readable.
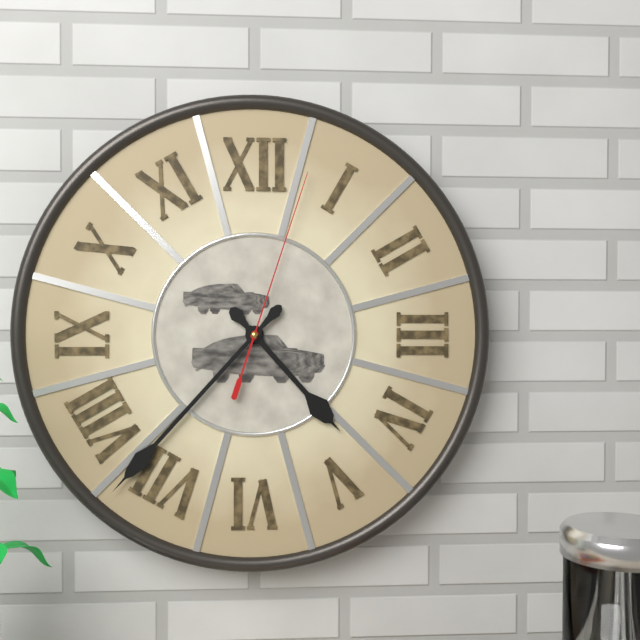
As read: h=4 m=37 s=3
